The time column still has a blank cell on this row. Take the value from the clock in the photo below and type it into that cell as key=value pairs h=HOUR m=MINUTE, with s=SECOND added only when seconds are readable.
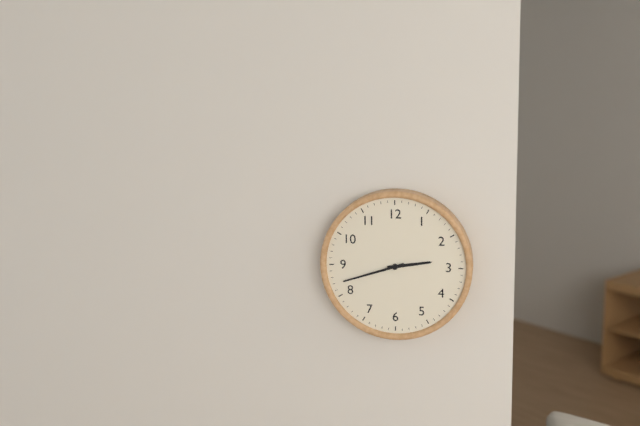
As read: h=2 m=42
